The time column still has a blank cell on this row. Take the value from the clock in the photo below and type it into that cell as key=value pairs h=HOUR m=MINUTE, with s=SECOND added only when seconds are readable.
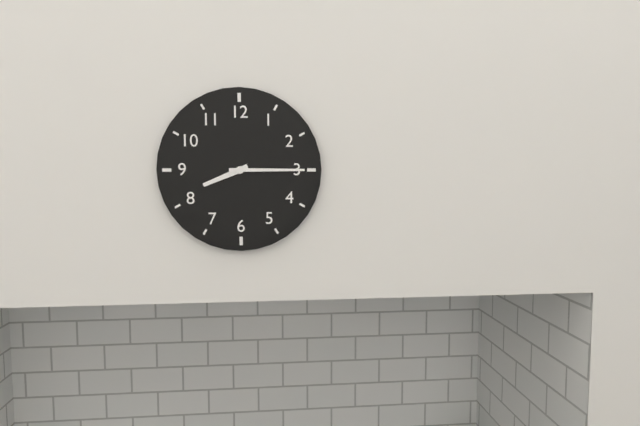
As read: h=8 m=15
